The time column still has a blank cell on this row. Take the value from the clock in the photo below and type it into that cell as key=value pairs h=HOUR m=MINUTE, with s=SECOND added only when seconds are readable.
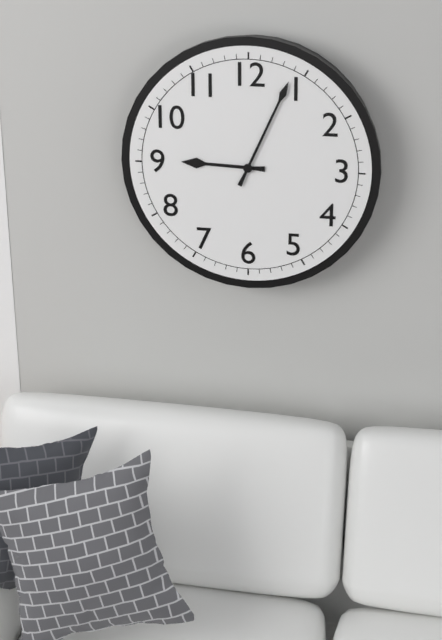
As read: h=9 m=4
